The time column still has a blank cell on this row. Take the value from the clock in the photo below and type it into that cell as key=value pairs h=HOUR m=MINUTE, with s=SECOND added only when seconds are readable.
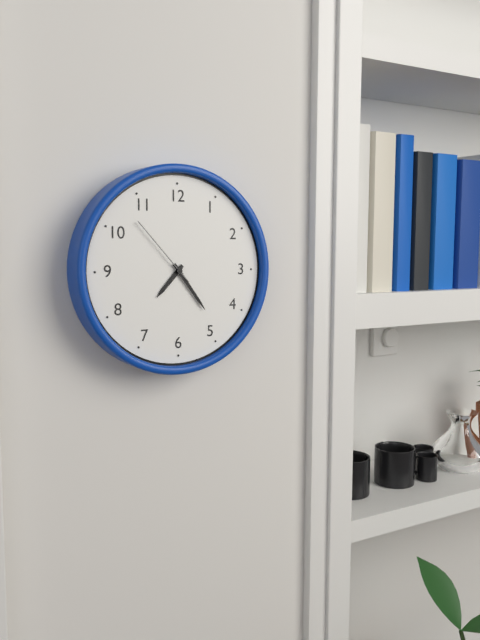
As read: h=7 m=24 s=53
